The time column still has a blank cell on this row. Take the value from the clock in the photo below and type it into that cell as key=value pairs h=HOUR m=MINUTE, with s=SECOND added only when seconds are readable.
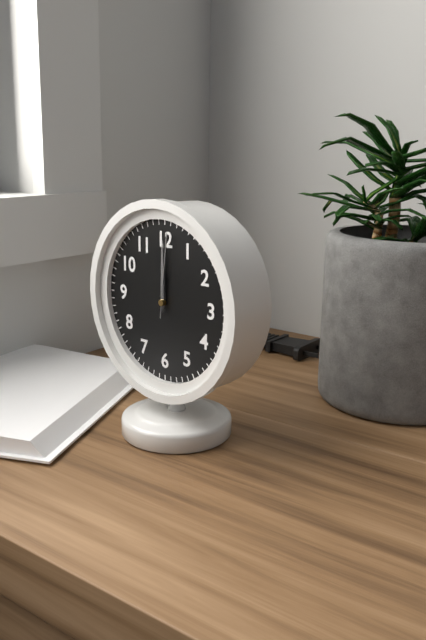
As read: h=12 m=0 s=1
